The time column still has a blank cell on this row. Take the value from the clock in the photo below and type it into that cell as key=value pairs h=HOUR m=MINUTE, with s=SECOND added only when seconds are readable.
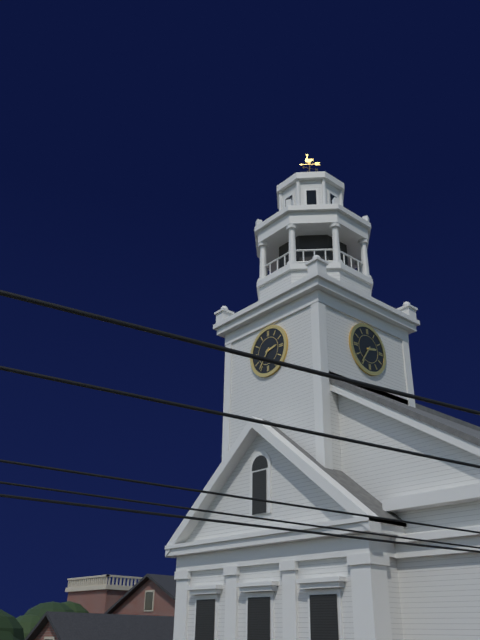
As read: h=2 m=36
